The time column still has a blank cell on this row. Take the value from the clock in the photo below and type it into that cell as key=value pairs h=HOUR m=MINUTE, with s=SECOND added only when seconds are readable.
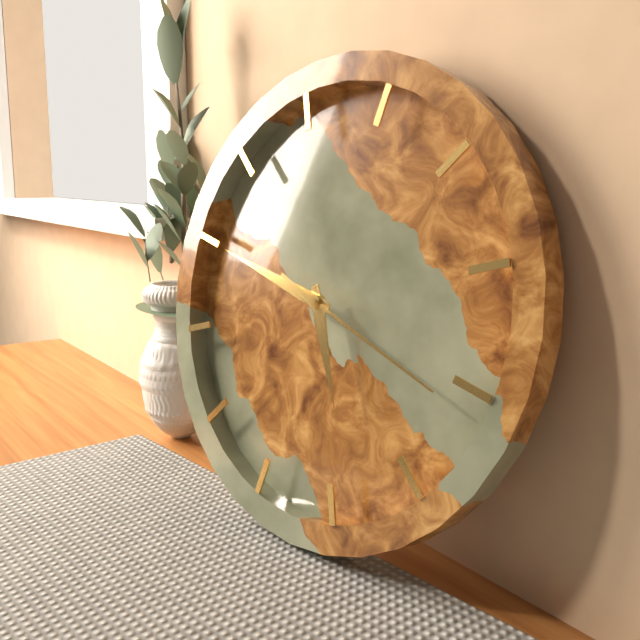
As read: h=4 m=45 s=16
